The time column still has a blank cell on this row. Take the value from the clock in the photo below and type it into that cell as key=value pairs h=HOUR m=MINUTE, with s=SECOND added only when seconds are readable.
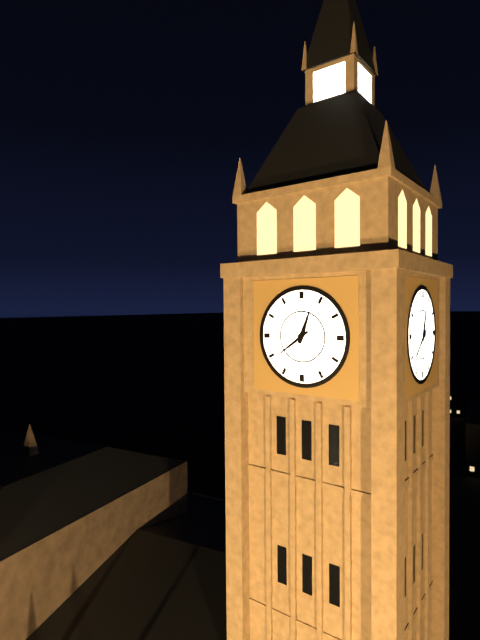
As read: h=12 m=39
